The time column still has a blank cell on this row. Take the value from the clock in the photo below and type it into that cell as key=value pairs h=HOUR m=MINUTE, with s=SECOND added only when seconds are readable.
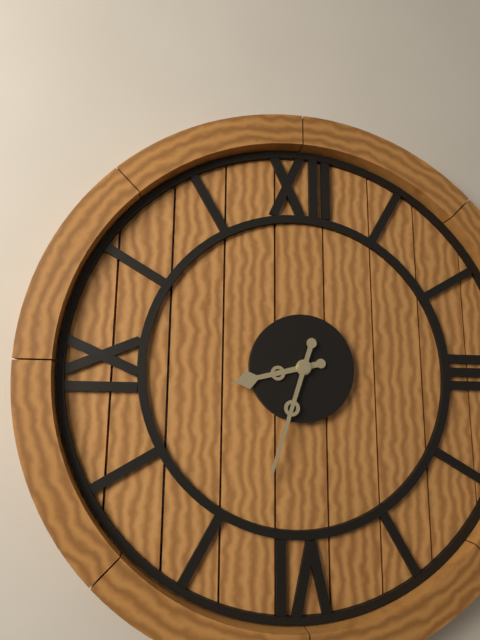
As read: h=8 m=33
